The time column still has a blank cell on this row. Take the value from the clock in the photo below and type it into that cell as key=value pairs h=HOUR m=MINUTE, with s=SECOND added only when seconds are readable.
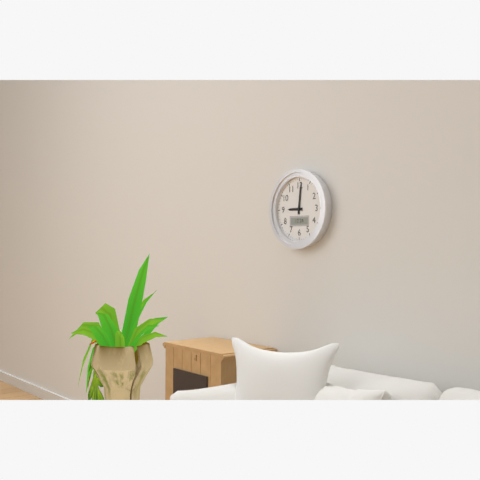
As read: h=9 m=1
